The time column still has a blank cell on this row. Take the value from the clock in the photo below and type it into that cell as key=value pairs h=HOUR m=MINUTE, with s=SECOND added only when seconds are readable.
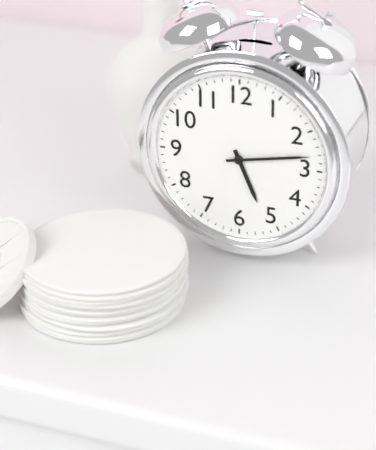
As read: h=5 m=13
